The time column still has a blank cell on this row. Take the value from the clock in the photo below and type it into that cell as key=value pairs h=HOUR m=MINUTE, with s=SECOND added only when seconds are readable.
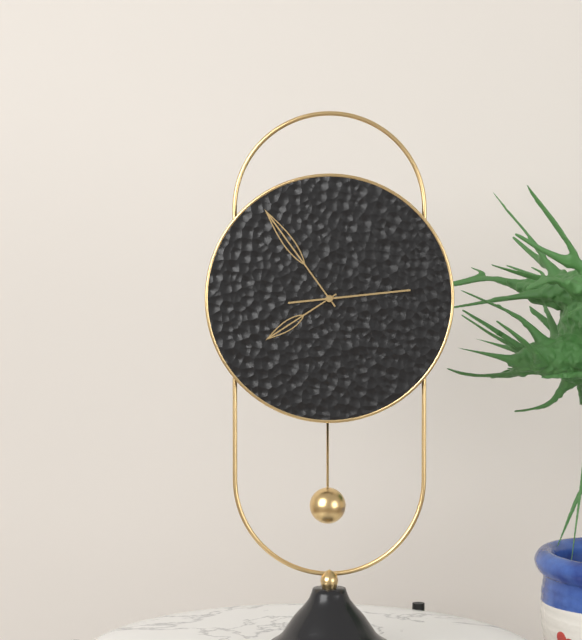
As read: h=7 m=54 s=14
